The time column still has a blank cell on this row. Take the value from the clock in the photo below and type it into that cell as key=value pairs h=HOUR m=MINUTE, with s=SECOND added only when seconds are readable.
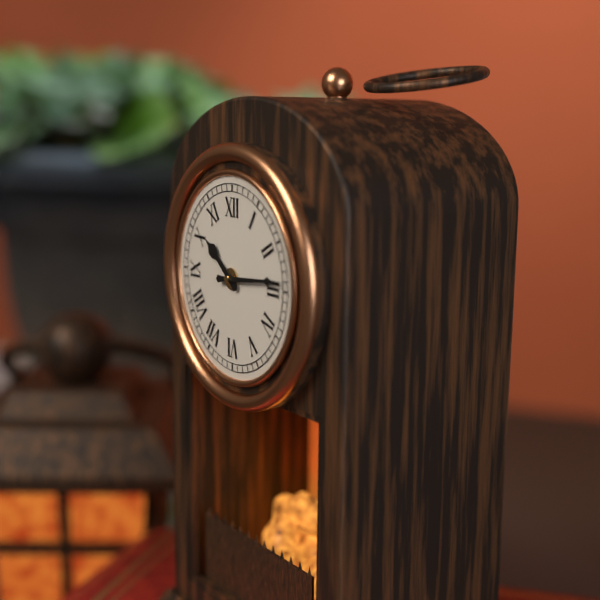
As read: h=10 m=14
